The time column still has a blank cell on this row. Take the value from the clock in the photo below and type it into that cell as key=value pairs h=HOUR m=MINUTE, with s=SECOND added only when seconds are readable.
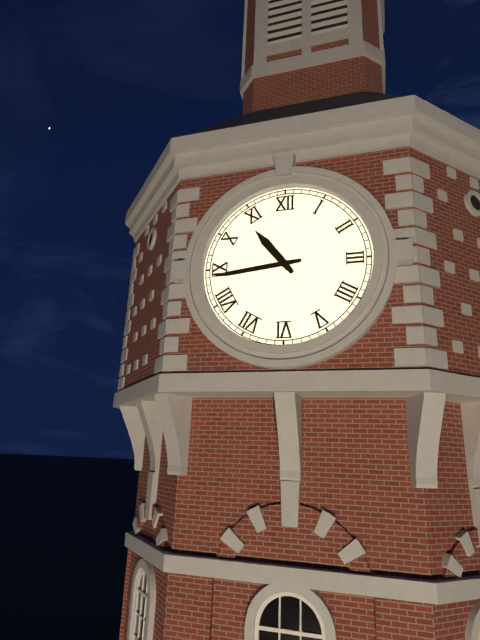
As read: h=10 m=44
